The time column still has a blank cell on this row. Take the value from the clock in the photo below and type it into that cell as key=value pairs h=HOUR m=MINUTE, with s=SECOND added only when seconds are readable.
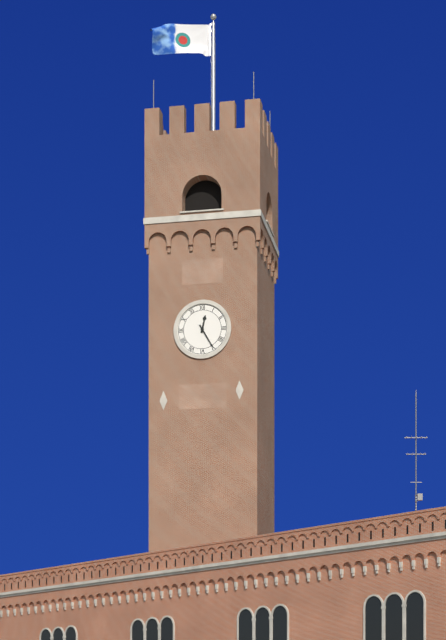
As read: h=12 m=25
